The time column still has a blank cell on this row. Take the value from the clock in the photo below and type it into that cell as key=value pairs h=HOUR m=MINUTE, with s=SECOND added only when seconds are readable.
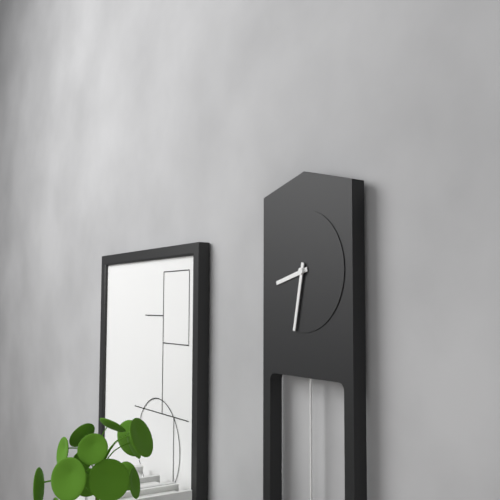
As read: h=8 m=32
